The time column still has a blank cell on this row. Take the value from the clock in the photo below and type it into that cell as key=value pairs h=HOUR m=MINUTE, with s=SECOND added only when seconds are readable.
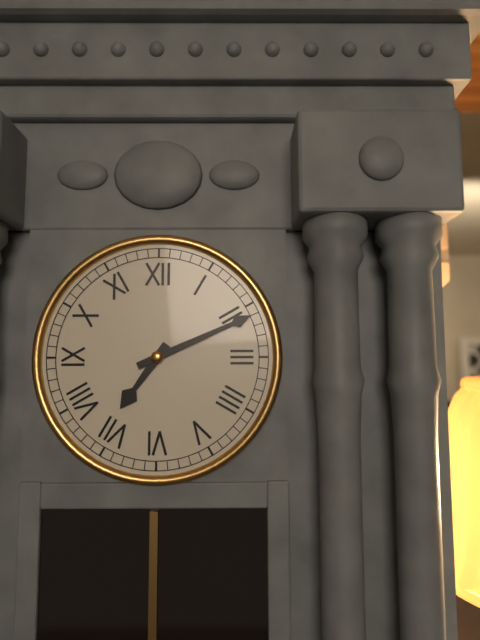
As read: h=7 m=11
